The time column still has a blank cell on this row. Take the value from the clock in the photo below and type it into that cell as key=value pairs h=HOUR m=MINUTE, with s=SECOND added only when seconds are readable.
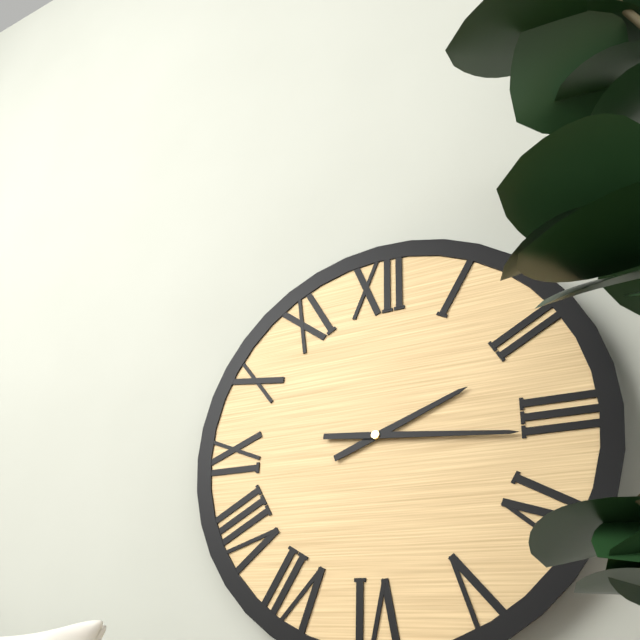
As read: h=2 m=16
